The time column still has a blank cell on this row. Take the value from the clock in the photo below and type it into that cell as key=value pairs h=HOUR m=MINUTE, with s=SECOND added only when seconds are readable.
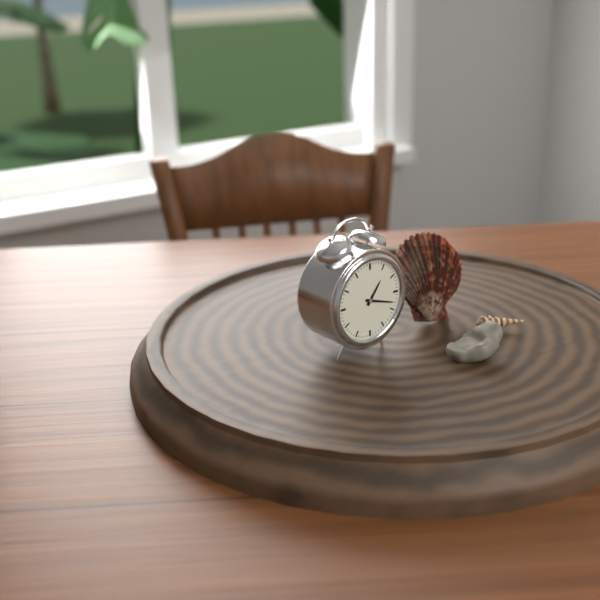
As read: h=1 m=18
